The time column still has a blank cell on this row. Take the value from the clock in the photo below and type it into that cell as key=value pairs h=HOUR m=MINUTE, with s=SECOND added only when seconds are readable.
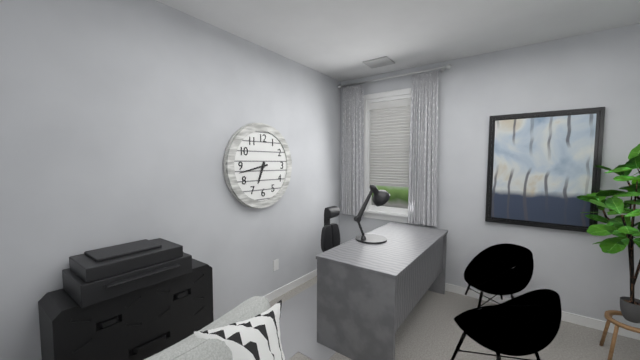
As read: h=6 m=43
